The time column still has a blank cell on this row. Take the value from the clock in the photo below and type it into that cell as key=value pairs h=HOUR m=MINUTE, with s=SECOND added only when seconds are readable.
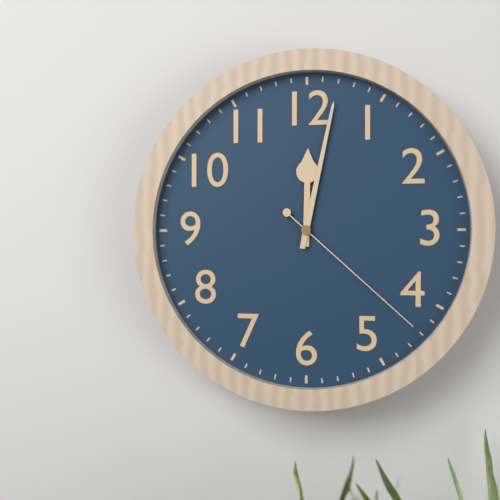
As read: h=12 m=2 s=22
